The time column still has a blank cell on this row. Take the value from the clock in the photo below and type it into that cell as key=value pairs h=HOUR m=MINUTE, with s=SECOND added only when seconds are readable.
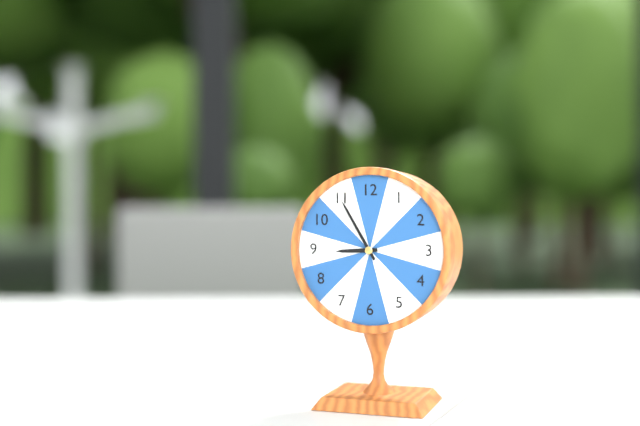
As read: h=8 m=55
